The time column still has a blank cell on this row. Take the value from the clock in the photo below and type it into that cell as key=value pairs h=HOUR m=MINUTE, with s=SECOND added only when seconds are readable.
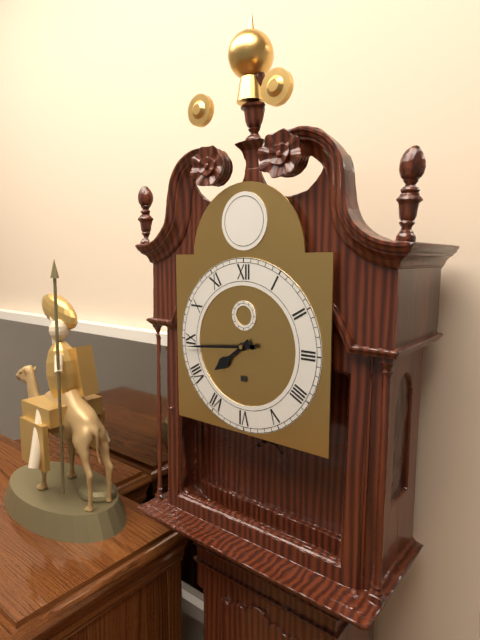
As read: h=7 m=44
